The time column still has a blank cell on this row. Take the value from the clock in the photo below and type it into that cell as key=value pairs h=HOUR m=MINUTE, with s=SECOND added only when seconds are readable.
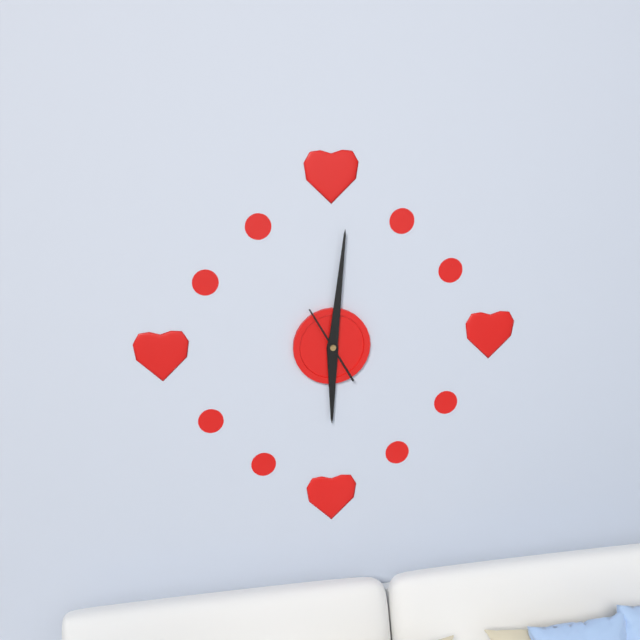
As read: h=6 m=1 s=55
